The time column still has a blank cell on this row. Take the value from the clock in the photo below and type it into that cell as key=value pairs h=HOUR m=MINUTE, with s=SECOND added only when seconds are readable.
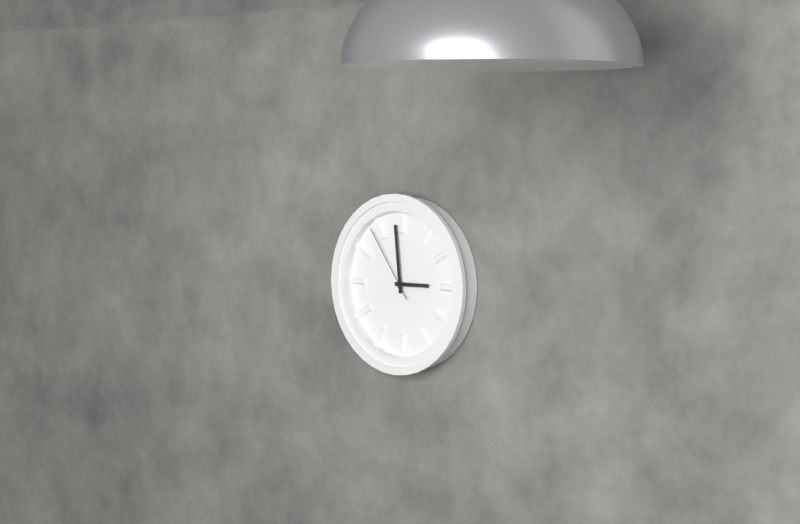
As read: h=2 m=59 s=54
